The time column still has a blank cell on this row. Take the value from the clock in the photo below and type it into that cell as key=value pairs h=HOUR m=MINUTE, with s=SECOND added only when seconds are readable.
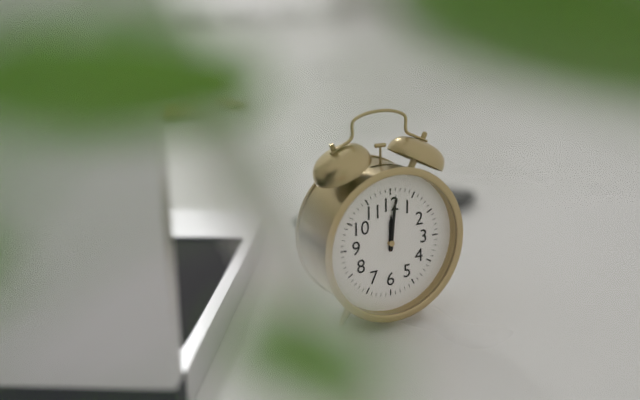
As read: h=12 m=1
